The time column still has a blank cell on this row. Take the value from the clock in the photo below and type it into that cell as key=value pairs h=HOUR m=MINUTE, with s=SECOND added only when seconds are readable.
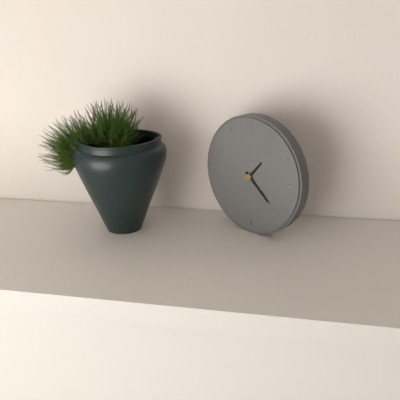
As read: h=1 m=22
